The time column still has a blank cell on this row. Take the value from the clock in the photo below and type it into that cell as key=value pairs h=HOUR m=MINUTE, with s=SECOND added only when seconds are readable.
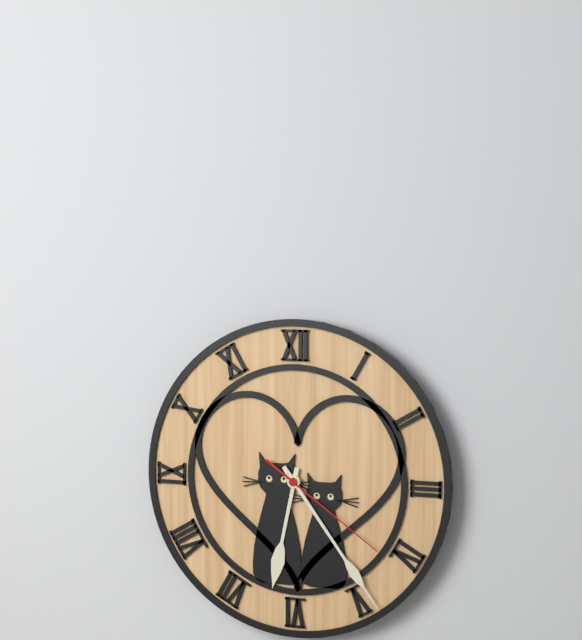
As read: h=6 m=24 s=21
